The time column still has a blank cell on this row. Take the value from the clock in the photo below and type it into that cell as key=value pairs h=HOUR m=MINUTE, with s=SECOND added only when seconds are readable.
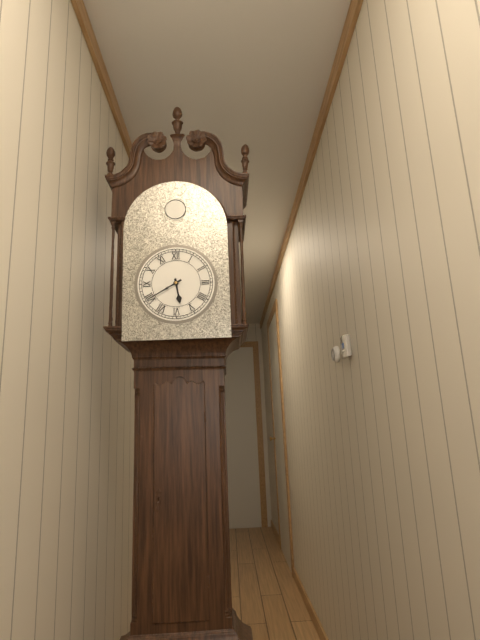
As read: h=5 m=40
